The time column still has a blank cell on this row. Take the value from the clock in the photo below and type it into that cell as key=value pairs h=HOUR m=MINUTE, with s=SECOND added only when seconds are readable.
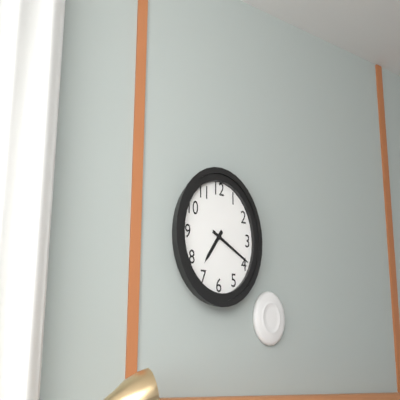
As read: h=7 m=19
